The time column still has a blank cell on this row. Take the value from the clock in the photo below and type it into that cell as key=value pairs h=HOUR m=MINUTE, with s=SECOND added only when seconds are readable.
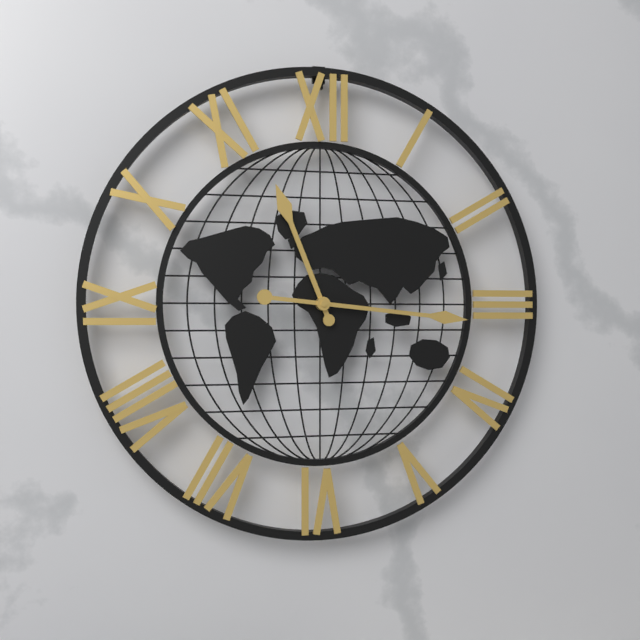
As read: h=11 m=16
